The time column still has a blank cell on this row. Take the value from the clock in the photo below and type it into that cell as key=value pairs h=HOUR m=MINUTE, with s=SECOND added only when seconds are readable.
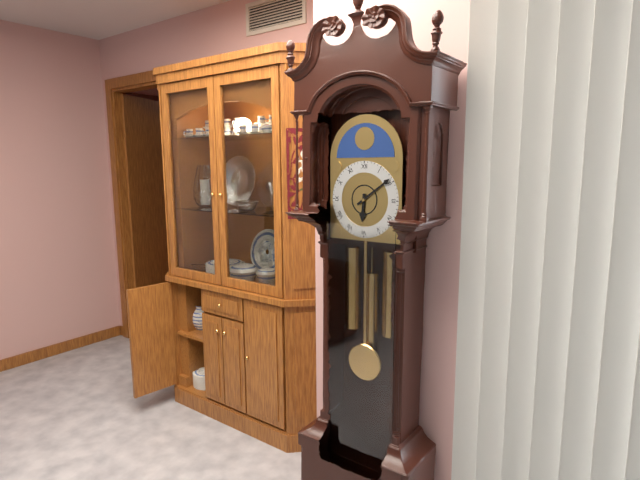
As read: h=6 m=9
